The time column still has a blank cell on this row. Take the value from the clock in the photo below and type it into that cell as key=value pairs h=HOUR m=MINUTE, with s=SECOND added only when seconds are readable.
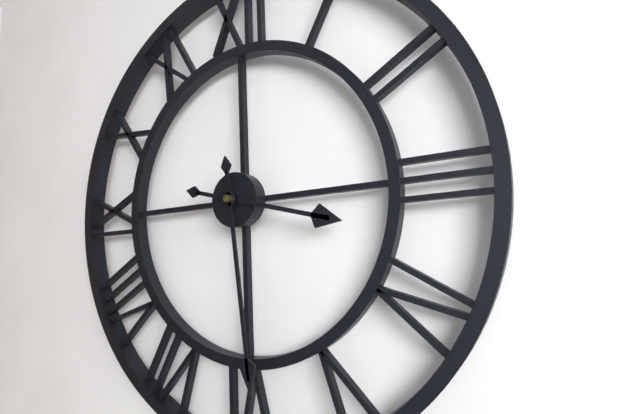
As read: h=3 m=29
